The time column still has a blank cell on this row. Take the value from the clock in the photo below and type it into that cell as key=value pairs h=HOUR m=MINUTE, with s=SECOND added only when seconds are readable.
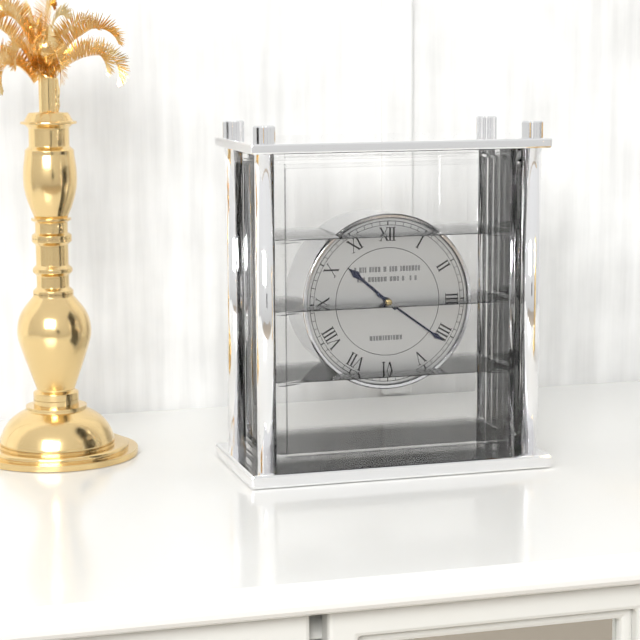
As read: h=10 m=21
